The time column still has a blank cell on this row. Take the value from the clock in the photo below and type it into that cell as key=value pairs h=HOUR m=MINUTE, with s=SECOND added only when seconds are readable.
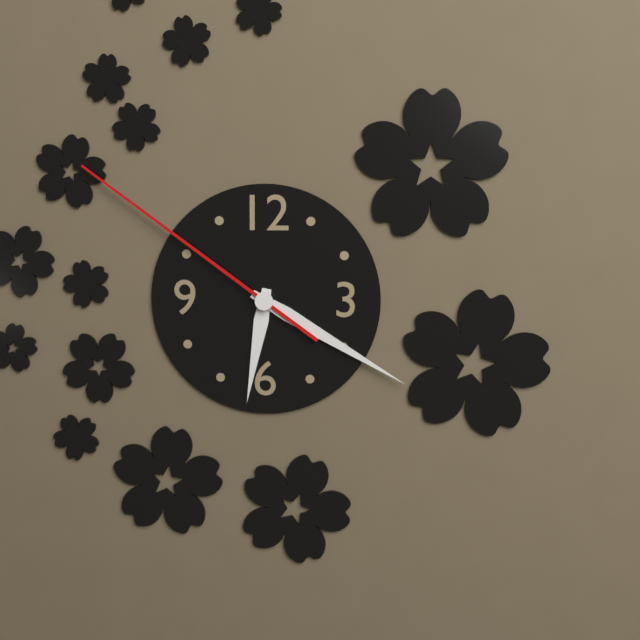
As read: h=6 m=20 s=51
